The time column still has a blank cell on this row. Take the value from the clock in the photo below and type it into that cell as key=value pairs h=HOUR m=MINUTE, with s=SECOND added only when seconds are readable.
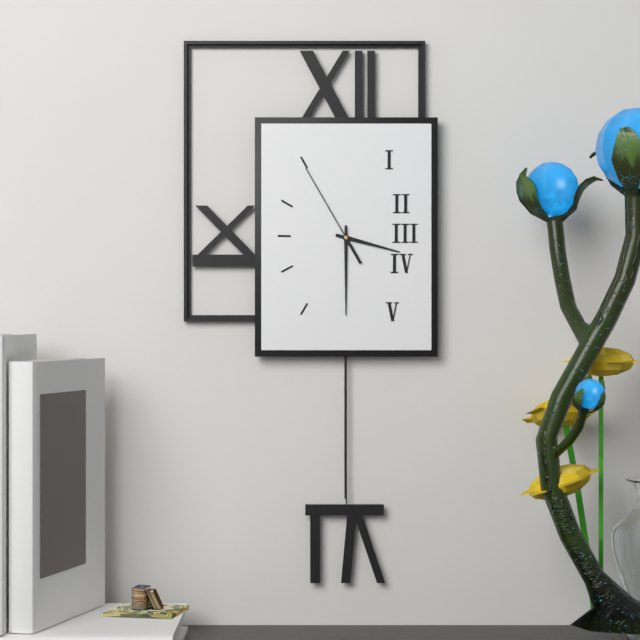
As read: h=3 m=30 s=55
